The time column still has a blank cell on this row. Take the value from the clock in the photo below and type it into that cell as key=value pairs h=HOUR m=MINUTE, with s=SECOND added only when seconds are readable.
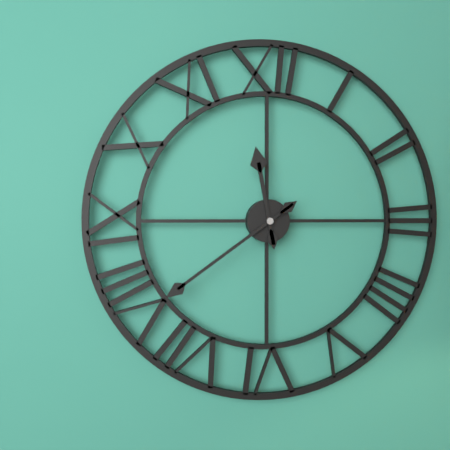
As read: h=11 m=39
